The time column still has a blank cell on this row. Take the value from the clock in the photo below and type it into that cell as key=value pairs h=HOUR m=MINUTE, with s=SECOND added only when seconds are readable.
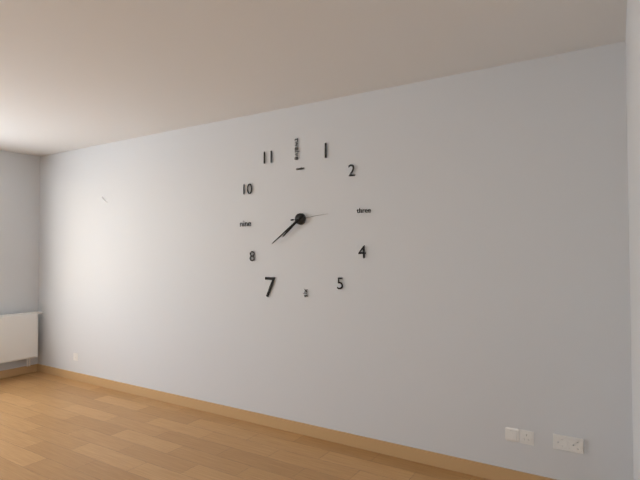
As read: h=7 m=39
